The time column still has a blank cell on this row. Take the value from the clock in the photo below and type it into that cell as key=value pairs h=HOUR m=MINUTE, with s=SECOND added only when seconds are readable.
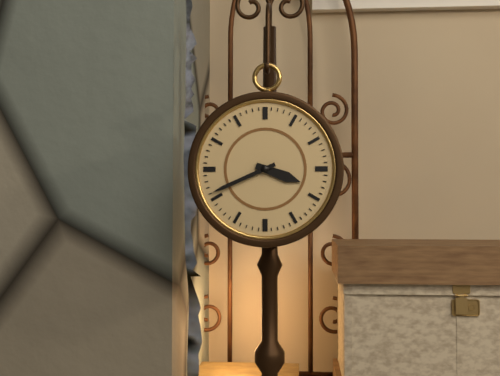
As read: h=3 m=41
